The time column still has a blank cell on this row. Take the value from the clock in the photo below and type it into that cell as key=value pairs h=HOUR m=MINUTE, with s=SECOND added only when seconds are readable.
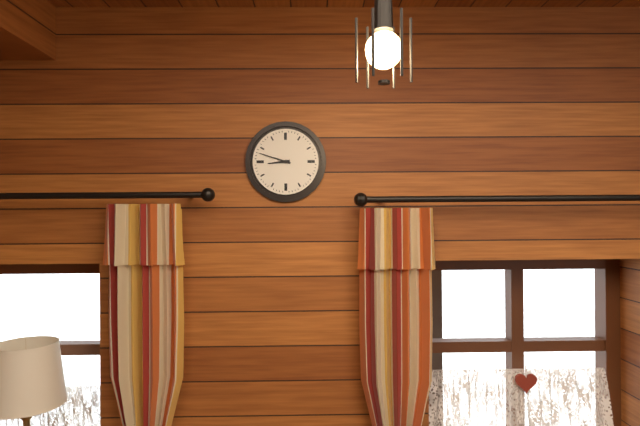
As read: h=8 m=48
